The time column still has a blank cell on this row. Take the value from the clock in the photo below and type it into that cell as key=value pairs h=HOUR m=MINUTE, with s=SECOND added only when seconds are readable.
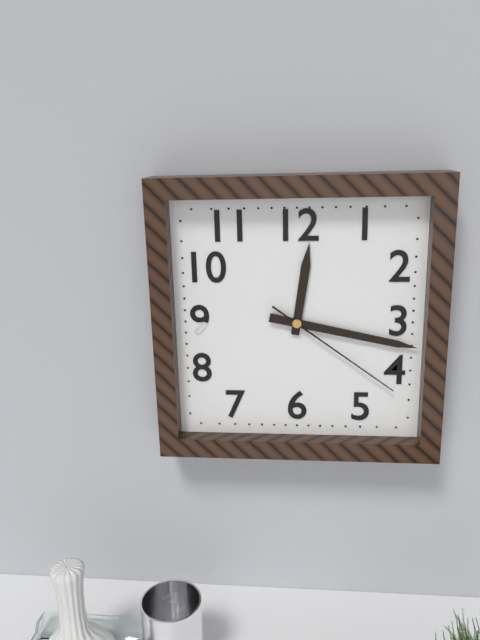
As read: h=12 m=17 s=21
